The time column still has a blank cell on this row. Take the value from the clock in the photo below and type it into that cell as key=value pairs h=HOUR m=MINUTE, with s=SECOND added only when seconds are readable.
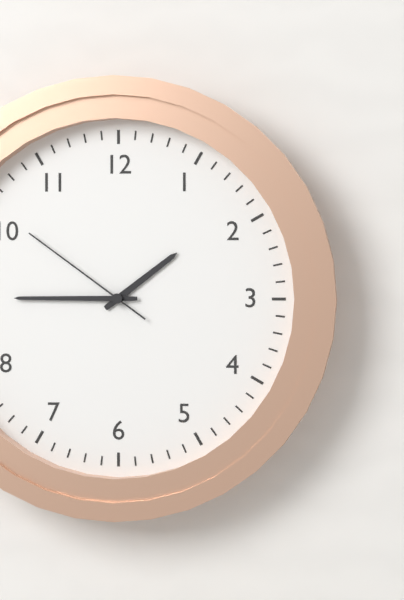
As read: h=1 m=45 s=51
